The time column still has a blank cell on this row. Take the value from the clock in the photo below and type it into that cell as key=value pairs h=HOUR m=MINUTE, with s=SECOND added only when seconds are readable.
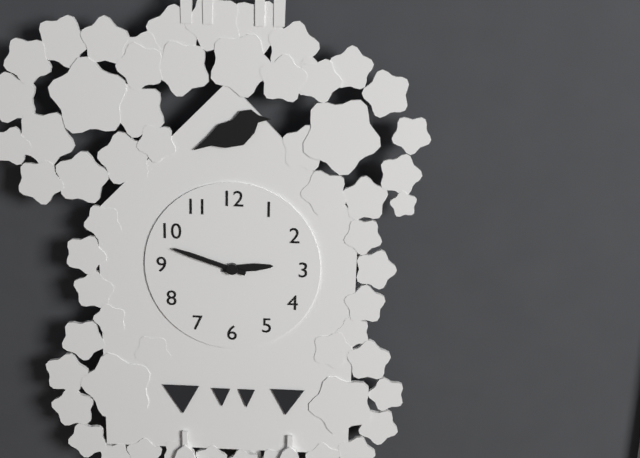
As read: h=2 m=48
